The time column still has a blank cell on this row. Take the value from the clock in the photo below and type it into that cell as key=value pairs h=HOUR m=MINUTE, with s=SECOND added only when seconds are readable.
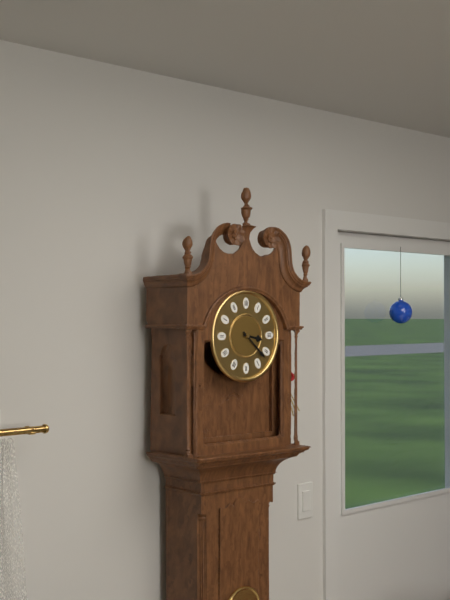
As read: h=3 m=22
